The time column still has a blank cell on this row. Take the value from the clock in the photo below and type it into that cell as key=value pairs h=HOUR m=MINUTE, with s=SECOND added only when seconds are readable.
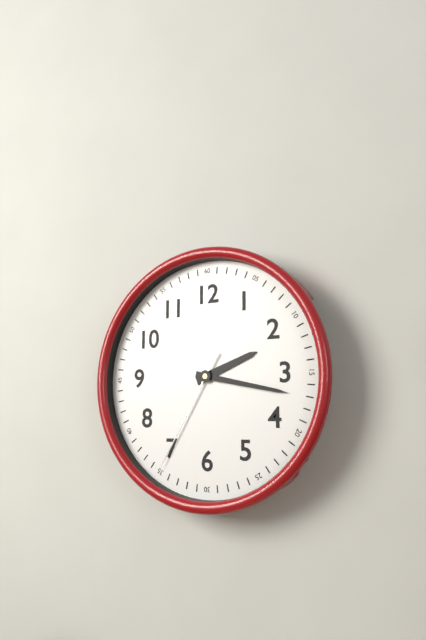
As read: h=2 m=17 s=35
